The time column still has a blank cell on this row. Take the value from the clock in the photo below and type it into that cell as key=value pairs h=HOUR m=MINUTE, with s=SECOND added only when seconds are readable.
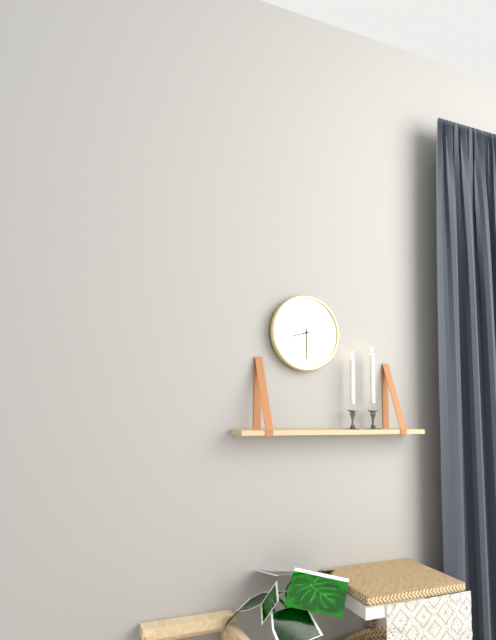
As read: h=8 m=30
